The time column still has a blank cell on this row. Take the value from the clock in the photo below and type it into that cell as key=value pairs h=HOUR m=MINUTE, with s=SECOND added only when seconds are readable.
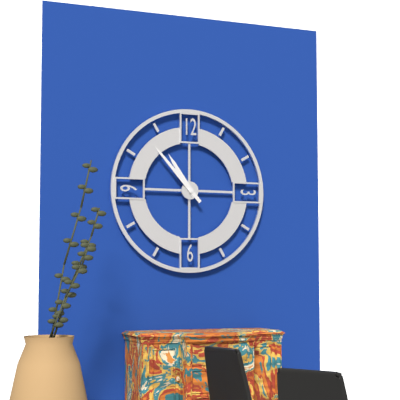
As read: h=10 m=53
